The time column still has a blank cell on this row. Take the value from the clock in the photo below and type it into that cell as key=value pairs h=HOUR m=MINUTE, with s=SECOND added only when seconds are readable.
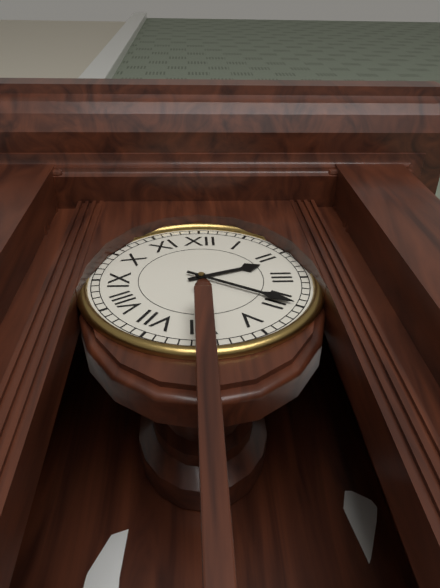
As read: h=2 m=20
